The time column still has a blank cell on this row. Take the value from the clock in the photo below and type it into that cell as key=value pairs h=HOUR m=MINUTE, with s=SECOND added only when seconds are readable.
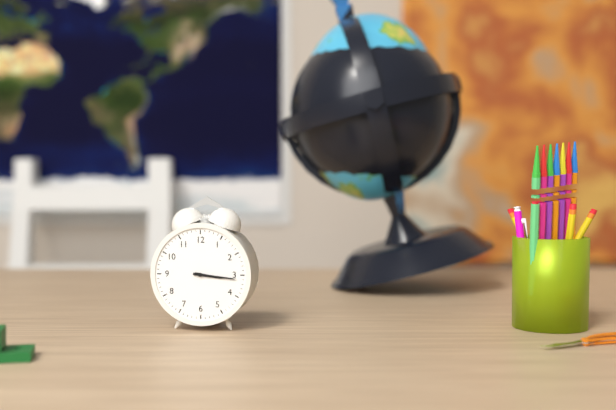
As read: h=3 m=16
